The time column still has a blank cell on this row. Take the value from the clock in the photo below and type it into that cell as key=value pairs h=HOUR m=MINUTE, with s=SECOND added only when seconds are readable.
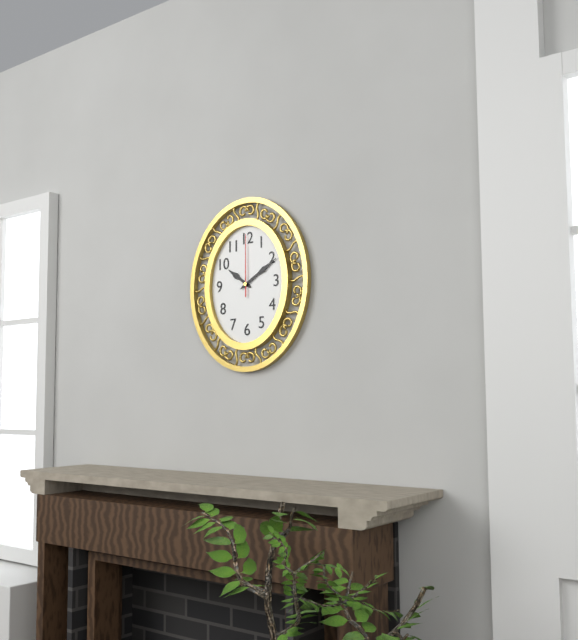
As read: h=10 m=10 s=0
